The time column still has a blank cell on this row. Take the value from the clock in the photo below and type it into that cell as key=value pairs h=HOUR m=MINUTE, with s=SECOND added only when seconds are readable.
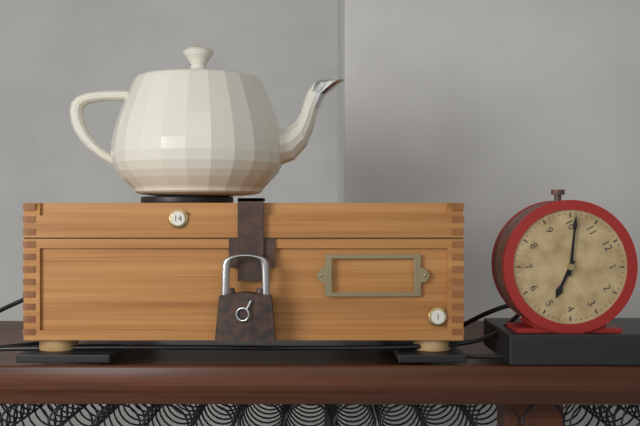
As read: h=4 m=51
